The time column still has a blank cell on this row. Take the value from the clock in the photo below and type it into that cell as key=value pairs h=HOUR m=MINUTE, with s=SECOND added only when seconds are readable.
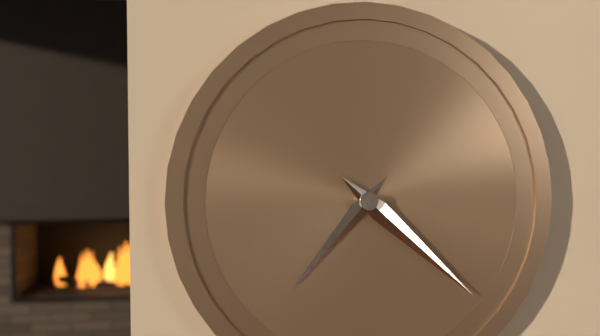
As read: h=7 m=22
